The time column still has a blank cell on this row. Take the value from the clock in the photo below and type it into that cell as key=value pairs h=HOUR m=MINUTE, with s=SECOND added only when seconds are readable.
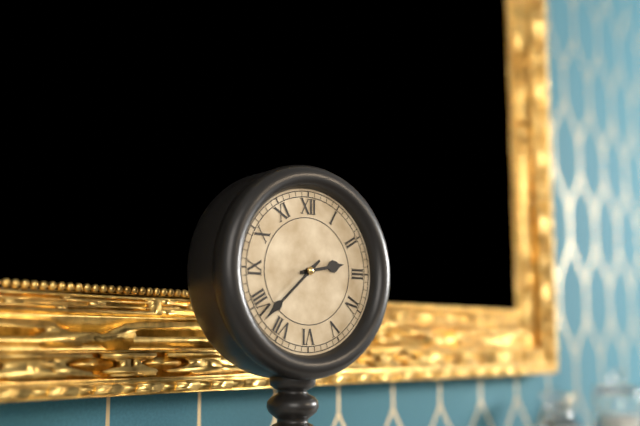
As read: h=2 m=38
